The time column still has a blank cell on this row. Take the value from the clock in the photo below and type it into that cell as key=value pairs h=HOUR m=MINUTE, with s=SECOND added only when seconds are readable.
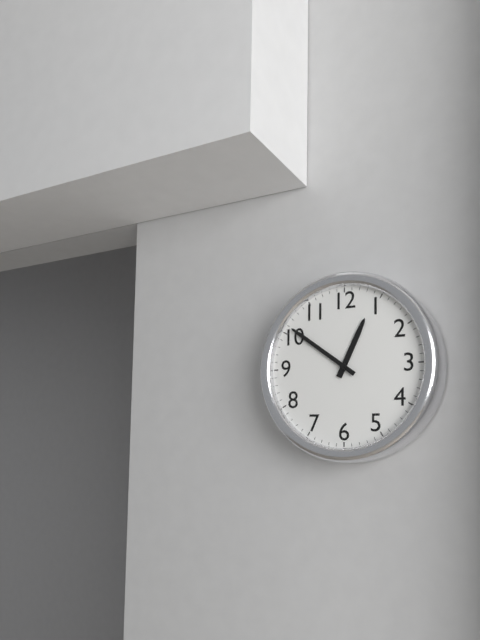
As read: h=12 m=51
